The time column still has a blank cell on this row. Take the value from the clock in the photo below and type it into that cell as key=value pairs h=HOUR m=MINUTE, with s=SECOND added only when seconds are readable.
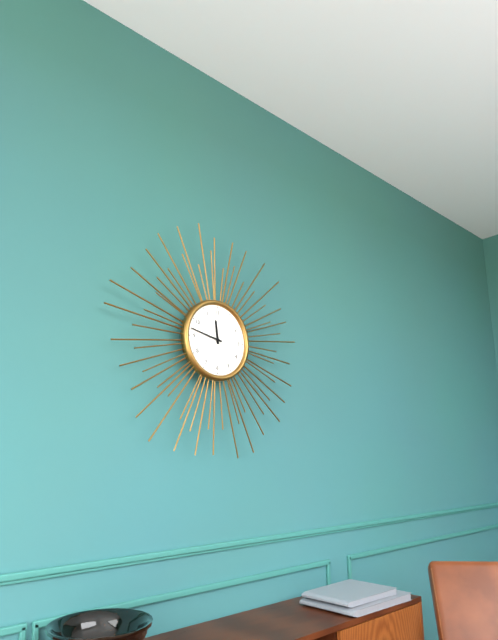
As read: h=11 m=47
